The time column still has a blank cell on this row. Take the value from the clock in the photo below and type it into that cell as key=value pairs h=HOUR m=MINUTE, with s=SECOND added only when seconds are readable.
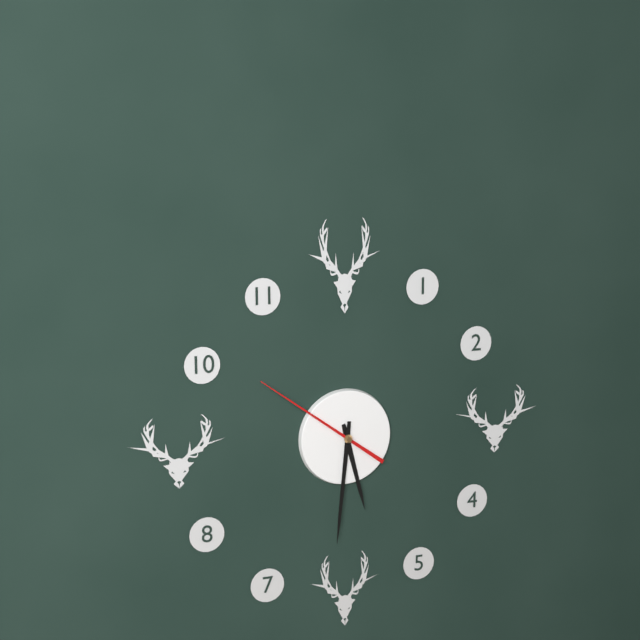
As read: h=5 m=31 s=51
